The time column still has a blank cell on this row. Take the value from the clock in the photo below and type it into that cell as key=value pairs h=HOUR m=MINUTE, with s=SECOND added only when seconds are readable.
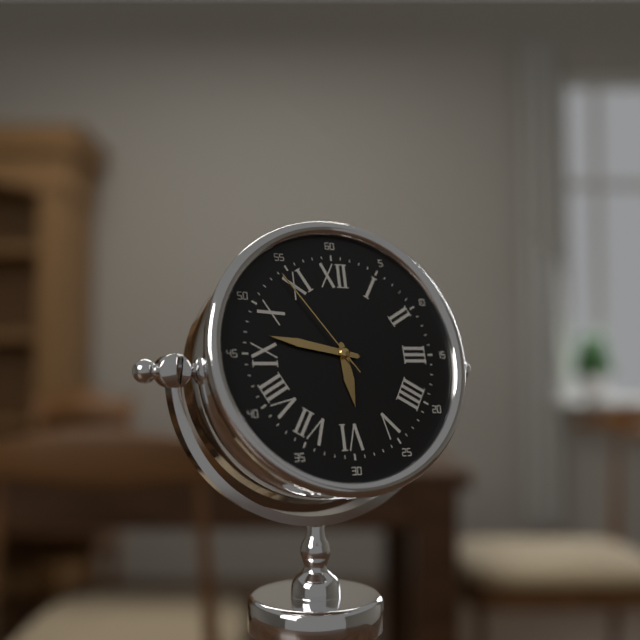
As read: h=5 m=47 s=54
